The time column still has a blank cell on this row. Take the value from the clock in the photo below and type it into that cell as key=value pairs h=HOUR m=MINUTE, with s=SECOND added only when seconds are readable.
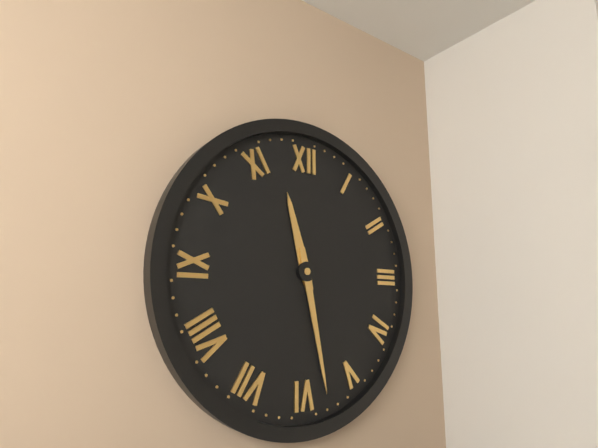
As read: h=11 m=28
